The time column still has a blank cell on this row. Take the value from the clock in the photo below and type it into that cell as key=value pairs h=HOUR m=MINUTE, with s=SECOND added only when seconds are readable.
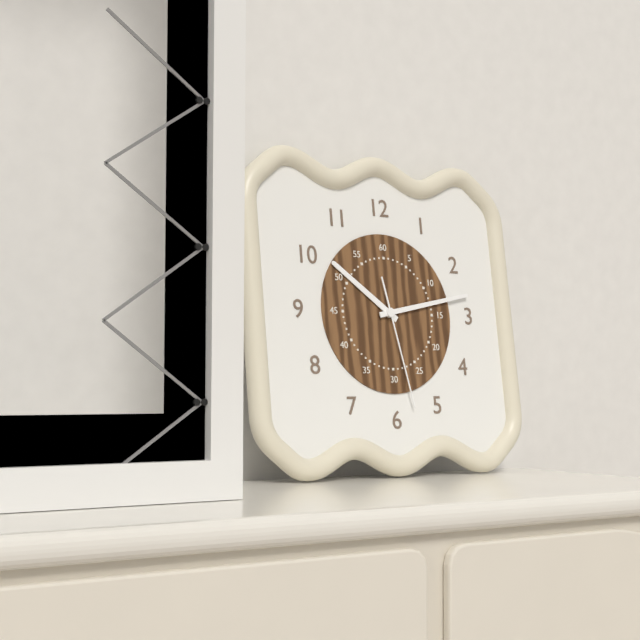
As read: h=10 m=13 s=28
